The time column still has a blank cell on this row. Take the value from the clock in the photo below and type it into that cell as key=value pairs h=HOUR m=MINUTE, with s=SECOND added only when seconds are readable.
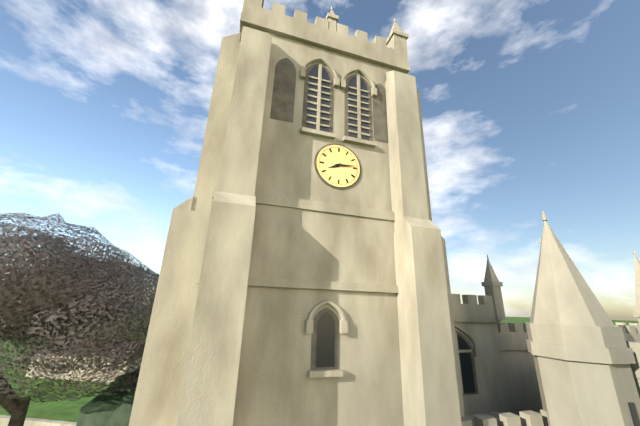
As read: h=8 m=14
